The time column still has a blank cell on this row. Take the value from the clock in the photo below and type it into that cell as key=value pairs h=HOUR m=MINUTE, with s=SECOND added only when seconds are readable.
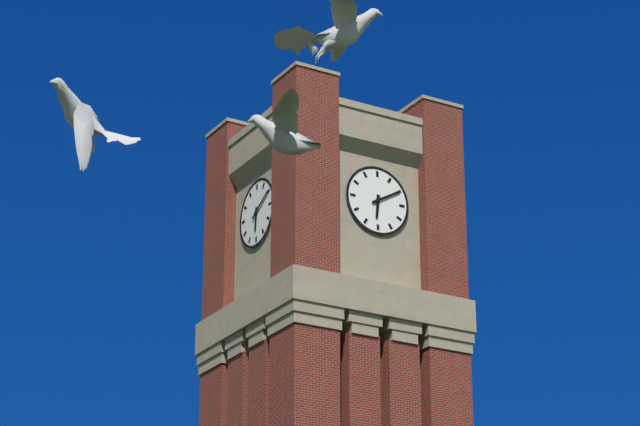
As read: h=6 m=10
